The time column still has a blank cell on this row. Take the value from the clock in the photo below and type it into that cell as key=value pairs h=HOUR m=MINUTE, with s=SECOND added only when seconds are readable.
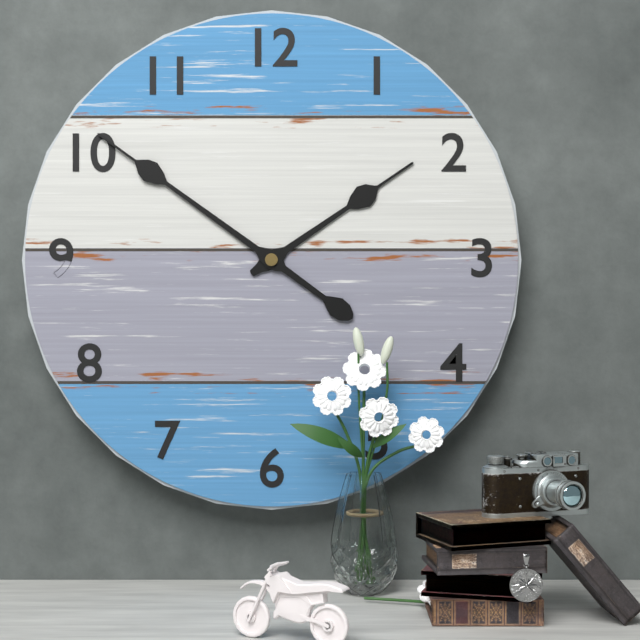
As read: h=1 m=51
